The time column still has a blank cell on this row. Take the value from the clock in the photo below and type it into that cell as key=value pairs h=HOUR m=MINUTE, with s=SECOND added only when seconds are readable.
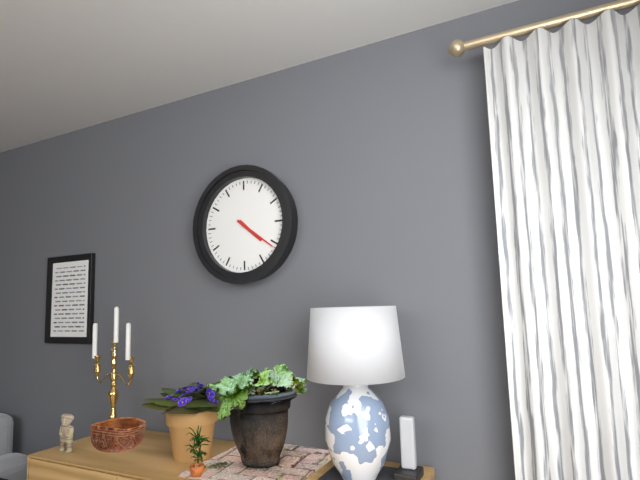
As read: h=4 m=21
